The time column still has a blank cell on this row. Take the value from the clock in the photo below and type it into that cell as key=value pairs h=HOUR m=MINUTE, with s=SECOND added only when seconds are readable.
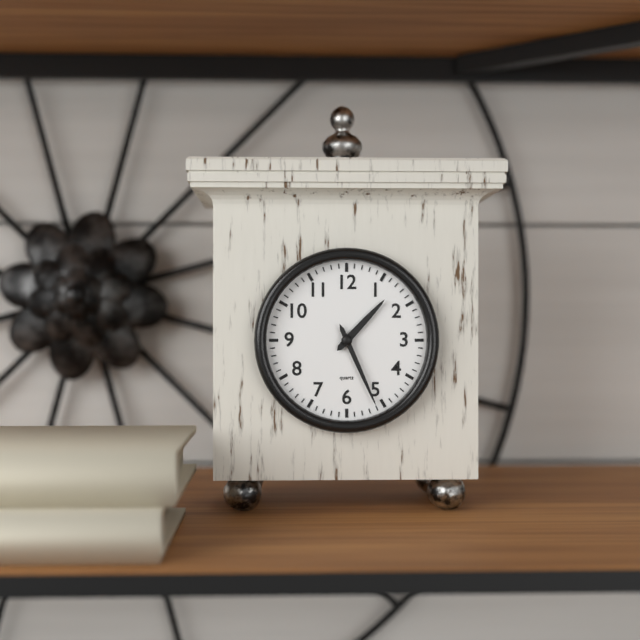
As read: h=1 m=26
